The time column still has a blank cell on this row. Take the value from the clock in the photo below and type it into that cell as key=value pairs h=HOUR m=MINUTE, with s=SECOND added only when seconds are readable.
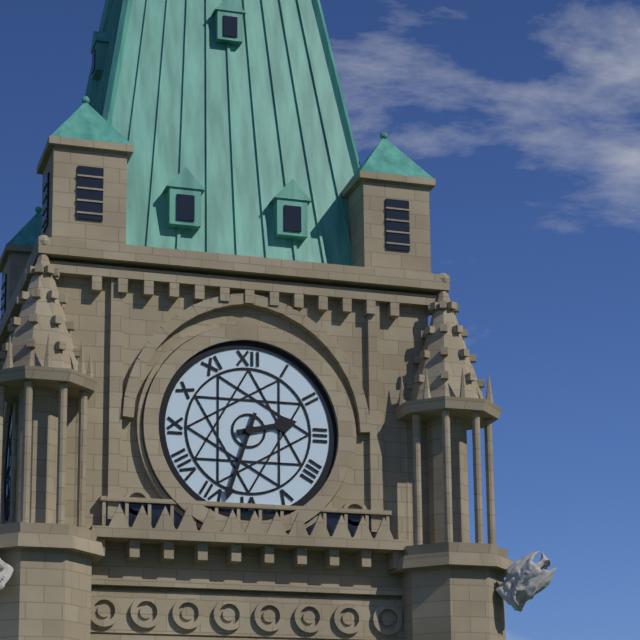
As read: h=2 m=33
